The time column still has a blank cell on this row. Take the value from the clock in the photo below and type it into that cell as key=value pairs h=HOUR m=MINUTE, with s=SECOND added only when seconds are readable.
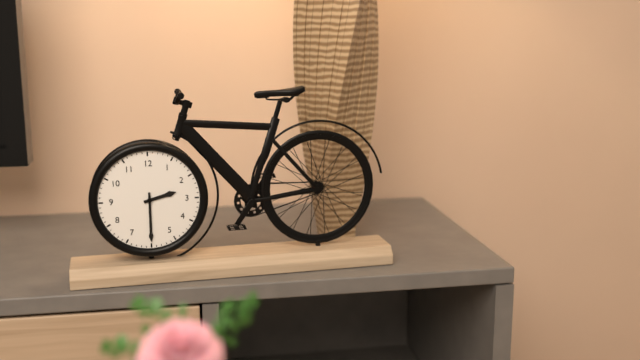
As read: h=2 m=30
